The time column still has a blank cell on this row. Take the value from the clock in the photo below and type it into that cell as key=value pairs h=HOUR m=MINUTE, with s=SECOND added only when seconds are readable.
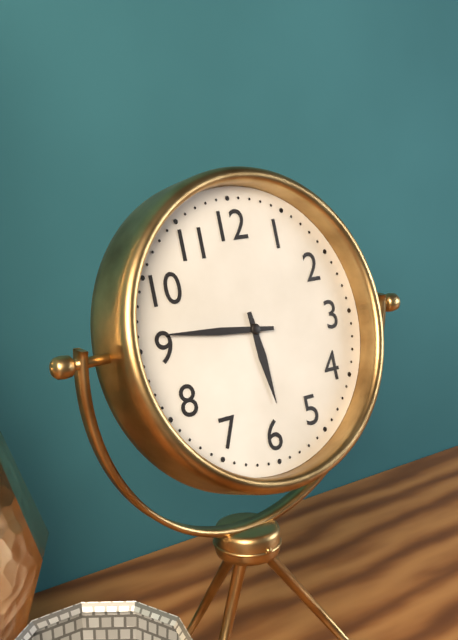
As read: h=5 m=46
